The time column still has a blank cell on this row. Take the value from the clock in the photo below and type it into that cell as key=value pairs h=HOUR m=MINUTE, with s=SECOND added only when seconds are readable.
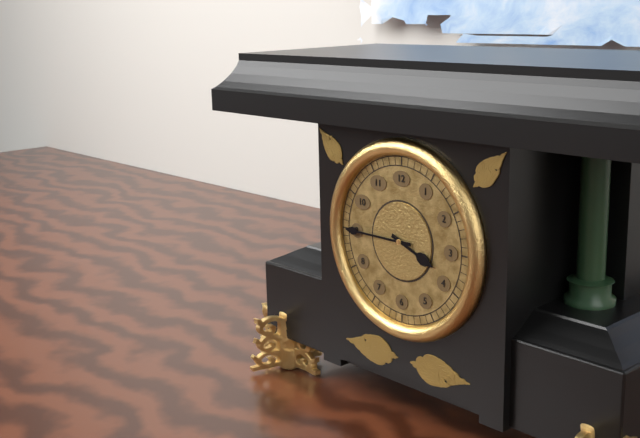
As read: h=3 m=45
